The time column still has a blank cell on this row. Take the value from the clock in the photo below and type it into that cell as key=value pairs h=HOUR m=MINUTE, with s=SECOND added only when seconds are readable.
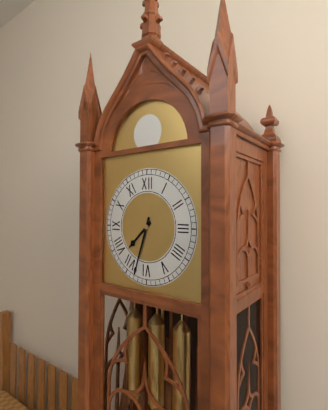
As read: h=7 m=33
